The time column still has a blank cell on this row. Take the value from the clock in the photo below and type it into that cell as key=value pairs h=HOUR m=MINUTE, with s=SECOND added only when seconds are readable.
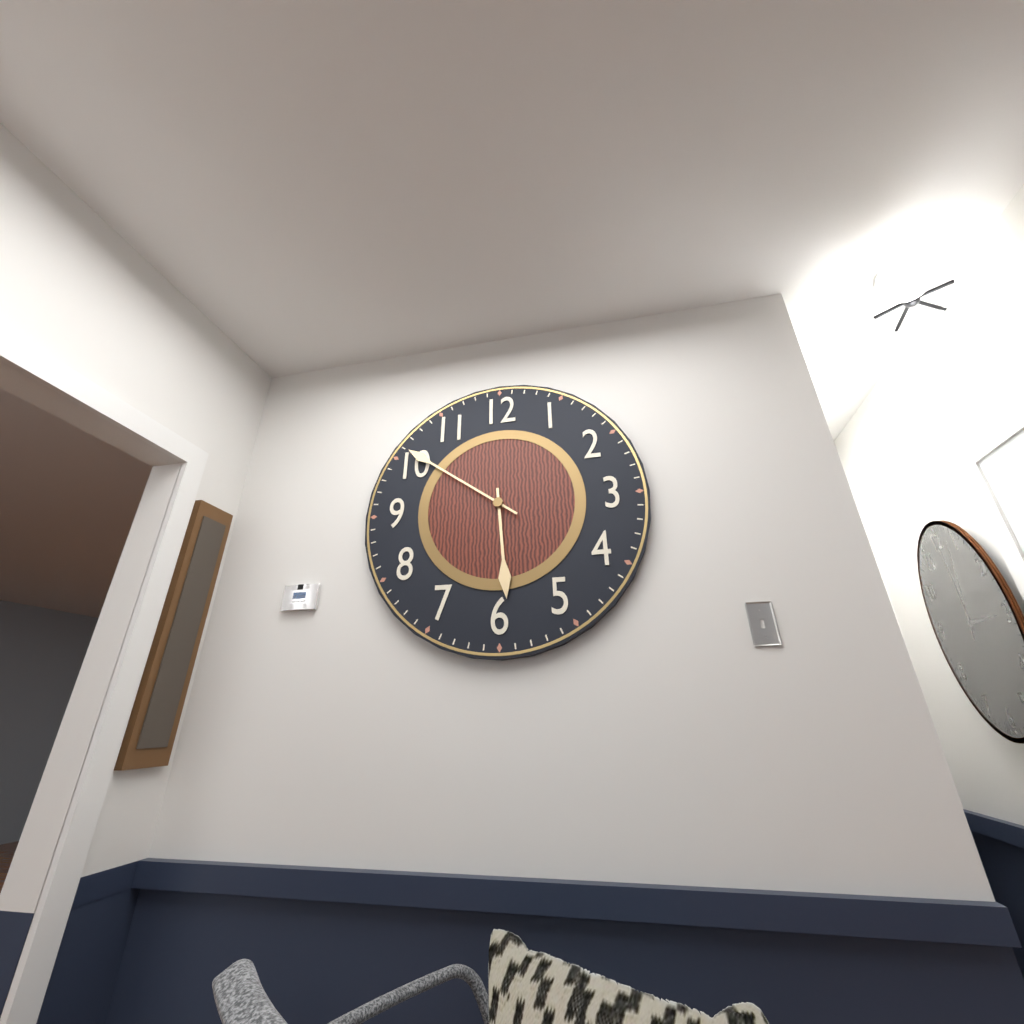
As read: h=5 m=51
